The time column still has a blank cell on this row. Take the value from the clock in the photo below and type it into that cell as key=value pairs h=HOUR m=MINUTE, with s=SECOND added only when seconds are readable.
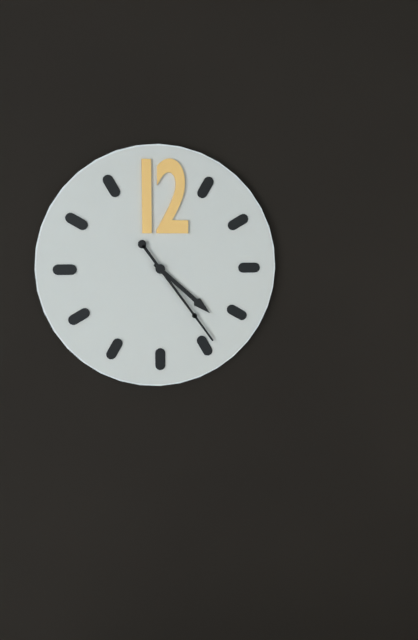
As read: h=4 m=24
